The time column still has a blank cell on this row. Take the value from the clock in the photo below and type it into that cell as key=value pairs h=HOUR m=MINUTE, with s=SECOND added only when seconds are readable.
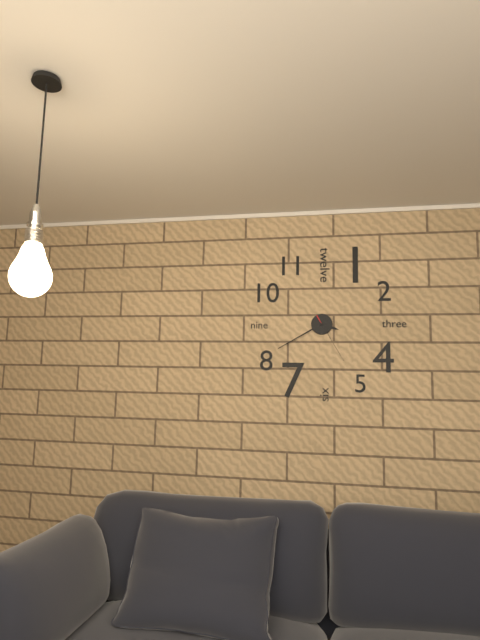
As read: h=3 m=40 s=25
